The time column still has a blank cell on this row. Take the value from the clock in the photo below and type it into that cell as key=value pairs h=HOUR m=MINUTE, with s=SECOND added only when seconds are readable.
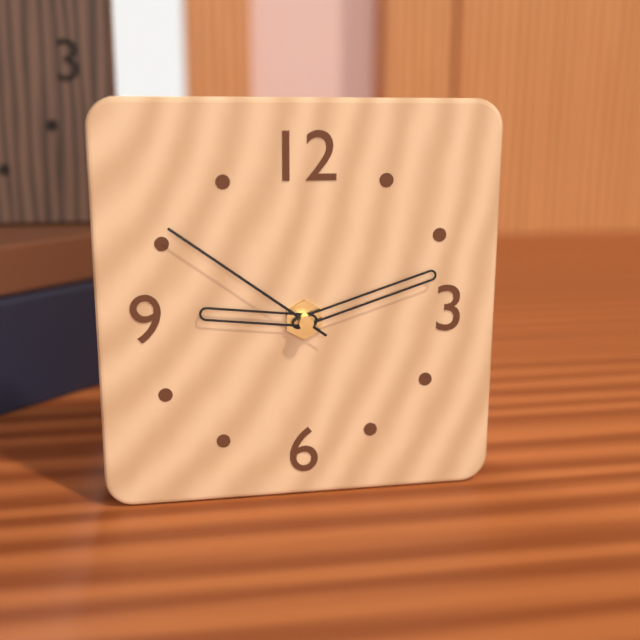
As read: h=9 m=12 s=51
